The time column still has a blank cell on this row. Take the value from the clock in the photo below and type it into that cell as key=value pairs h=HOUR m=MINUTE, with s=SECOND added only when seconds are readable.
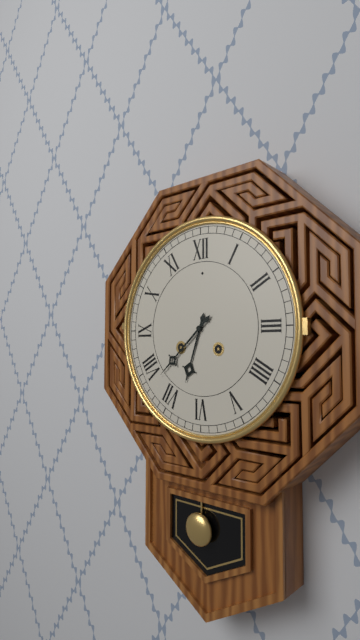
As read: h=6 m=38
